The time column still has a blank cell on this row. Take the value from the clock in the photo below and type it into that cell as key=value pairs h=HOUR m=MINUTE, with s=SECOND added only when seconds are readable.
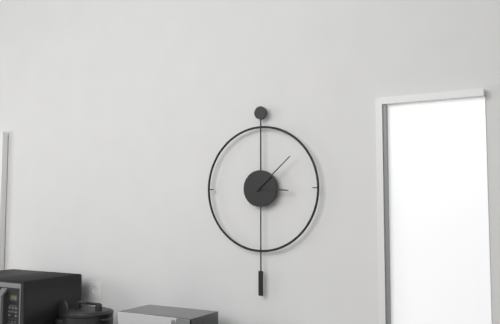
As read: h=3 m=8
